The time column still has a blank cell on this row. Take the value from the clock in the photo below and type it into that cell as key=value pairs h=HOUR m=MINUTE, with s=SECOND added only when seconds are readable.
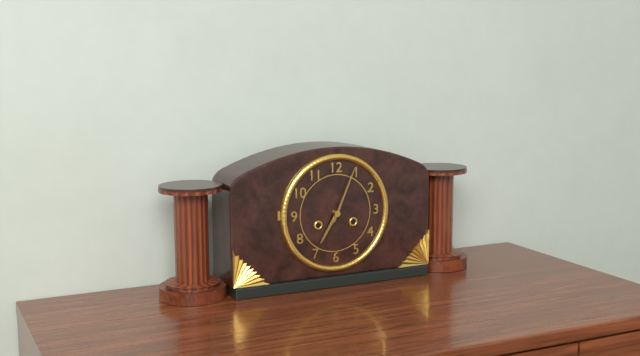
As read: h=7 m=4
